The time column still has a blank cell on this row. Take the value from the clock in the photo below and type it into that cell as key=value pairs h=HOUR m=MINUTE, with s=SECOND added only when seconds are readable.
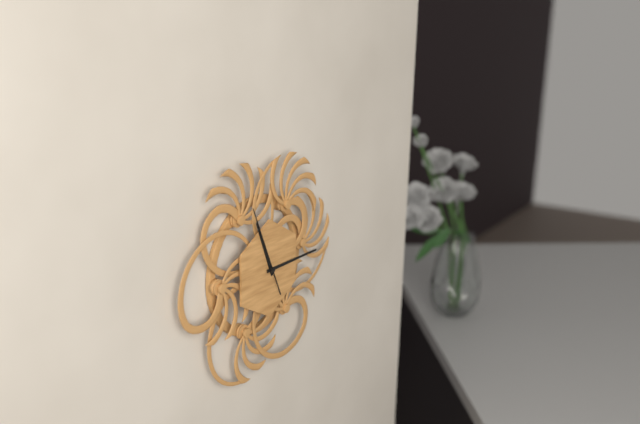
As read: h=11 m=15 s=56
